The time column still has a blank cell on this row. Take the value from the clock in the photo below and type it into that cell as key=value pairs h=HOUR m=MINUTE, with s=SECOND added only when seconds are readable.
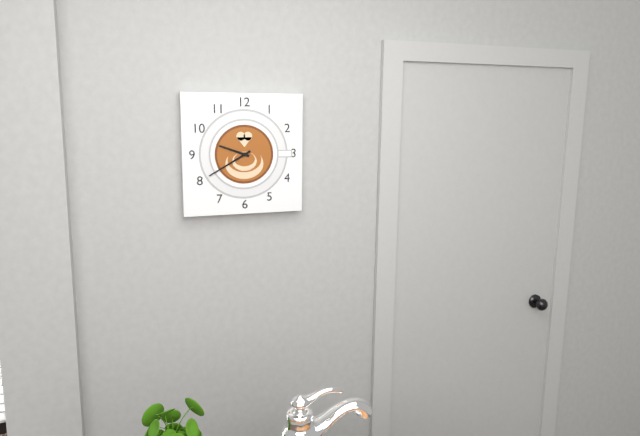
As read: h=9 m=40
